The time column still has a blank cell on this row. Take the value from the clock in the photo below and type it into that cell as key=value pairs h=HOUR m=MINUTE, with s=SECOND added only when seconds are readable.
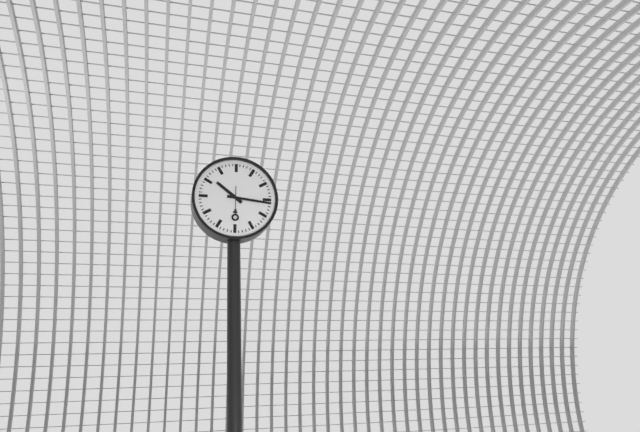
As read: h=10 m=16
